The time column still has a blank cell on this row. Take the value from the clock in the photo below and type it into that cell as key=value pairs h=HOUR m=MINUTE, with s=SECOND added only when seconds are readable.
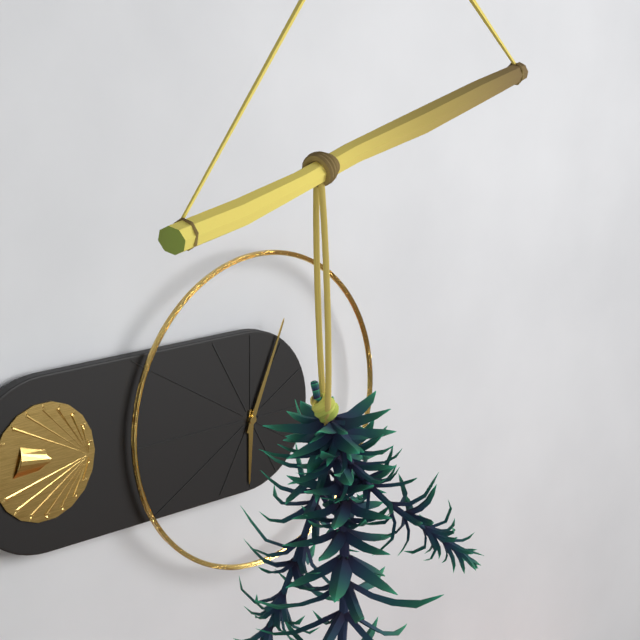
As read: h=6 m=4
